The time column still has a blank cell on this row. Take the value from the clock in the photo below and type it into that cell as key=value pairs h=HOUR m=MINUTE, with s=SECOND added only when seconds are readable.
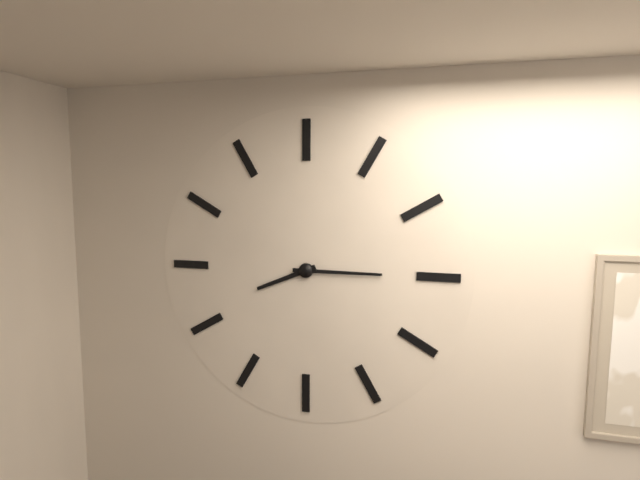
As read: h=8 m=15
